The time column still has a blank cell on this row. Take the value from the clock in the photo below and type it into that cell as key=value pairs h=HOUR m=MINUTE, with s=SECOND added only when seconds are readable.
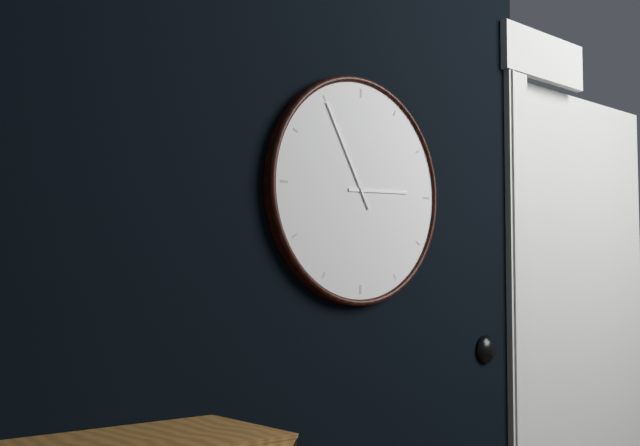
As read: h=2 m=55
